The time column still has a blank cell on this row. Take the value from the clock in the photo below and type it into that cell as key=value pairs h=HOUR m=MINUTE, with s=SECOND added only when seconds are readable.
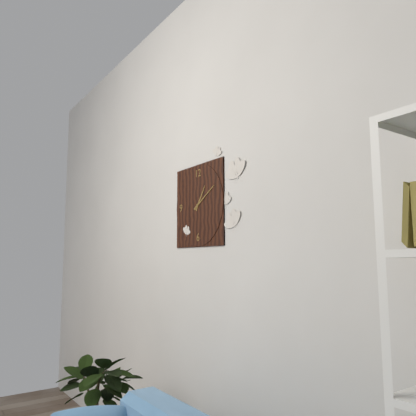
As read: h=1 m=10
